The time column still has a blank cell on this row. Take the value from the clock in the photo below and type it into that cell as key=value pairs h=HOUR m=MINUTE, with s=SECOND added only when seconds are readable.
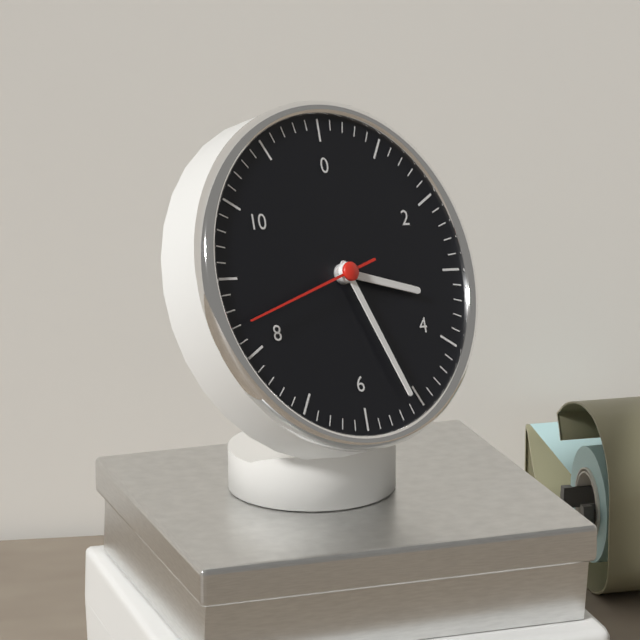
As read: h=3 m=26 s=42
